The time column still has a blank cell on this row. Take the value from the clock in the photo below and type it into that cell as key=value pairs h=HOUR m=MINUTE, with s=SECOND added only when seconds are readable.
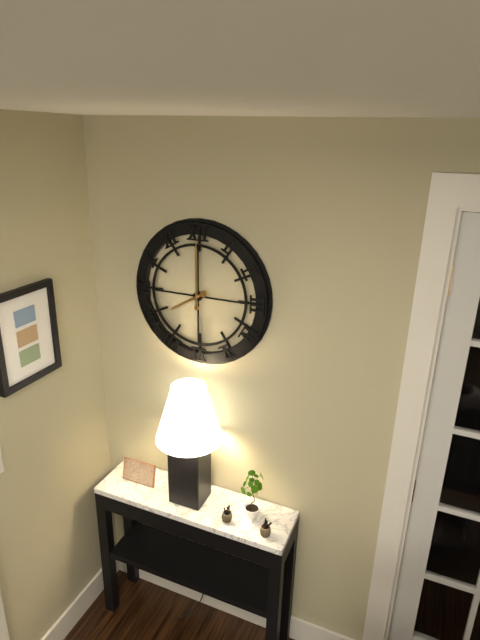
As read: h=8 m=0
